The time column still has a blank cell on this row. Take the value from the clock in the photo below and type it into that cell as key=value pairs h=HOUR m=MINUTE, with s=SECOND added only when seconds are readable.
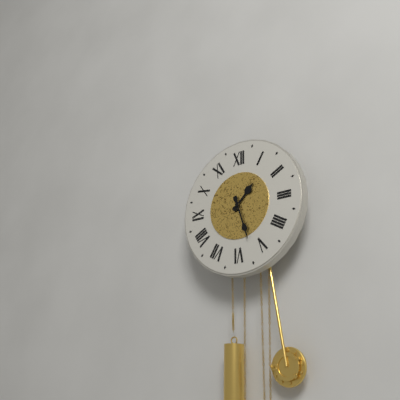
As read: h=1 m=27
